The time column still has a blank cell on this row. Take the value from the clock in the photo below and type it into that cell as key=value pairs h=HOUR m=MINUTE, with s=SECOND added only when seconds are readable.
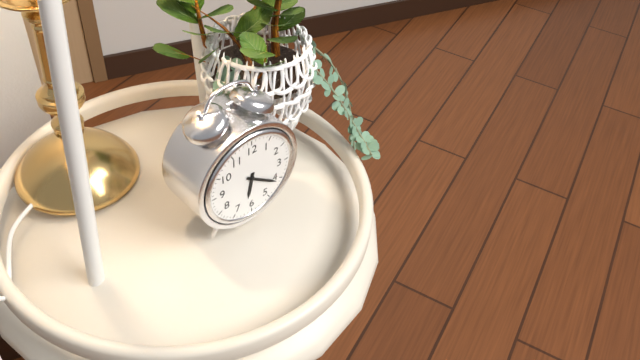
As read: h=6 m=21
